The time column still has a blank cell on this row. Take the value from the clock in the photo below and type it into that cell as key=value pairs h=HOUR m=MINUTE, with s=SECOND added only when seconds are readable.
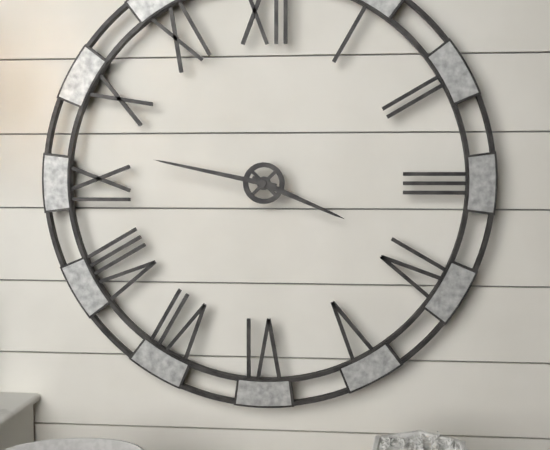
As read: h=3 m=47
